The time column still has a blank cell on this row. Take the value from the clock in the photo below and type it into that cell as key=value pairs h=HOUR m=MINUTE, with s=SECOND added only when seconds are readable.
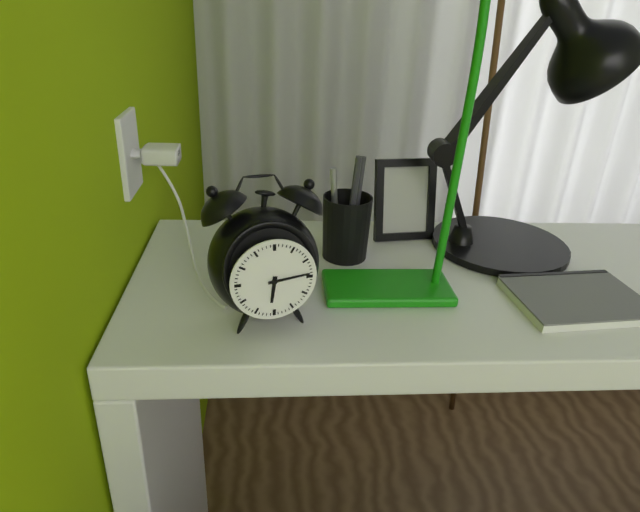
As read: h=6 m=14
